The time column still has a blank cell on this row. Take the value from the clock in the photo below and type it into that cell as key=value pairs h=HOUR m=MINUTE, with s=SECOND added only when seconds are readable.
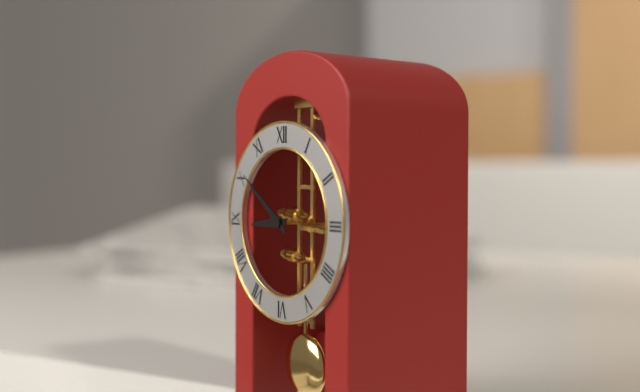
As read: h=8 m=51
